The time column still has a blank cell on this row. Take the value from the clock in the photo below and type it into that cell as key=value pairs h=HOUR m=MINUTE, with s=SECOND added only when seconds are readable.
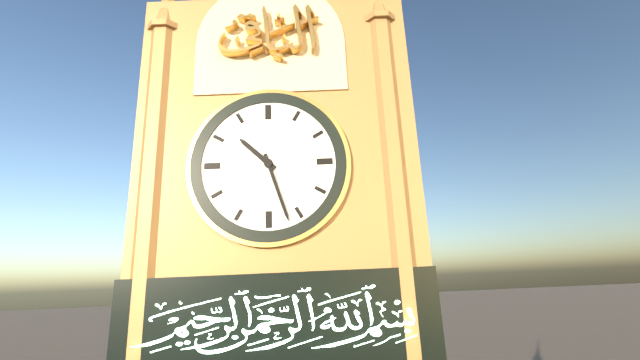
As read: h=10 m=27
